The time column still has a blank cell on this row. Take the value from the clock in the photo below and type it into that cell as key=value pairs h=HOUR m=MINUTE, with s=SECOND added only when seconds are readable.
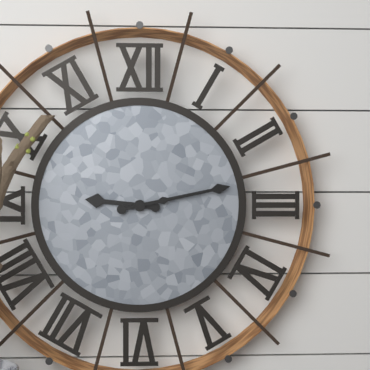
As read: h=9 m=13
